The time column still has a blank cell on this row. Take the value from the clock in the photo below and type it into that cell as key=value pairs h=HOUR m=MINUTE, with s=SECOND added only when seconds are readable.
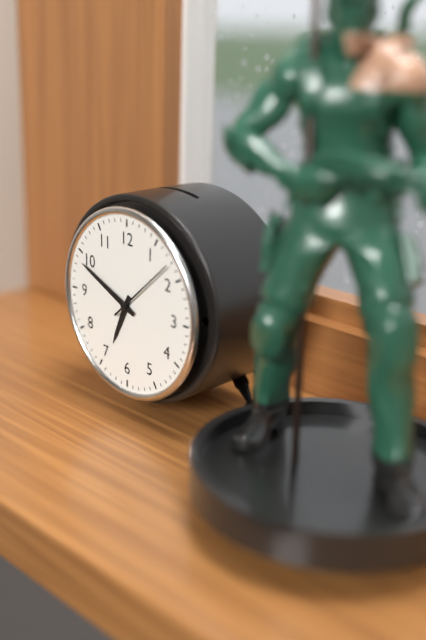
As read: h=6 m=49 s=8
